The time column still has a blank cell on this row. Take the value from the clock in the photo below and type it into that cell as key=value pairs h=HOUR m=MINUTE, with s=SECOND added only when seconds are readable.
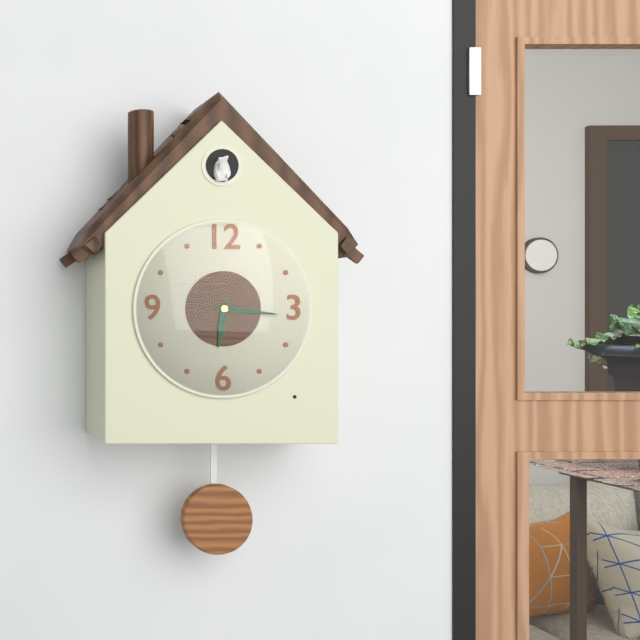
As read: h=6 m=16
